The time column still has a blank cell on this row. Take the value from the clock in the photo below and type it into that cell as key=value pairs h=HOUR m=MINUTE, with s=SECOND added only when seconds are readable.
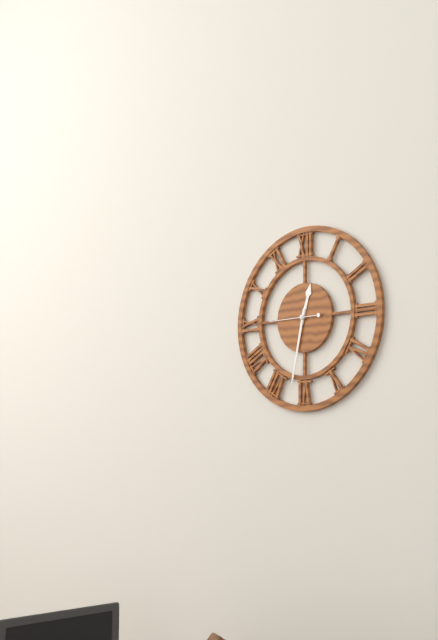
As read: h=12 m=32
